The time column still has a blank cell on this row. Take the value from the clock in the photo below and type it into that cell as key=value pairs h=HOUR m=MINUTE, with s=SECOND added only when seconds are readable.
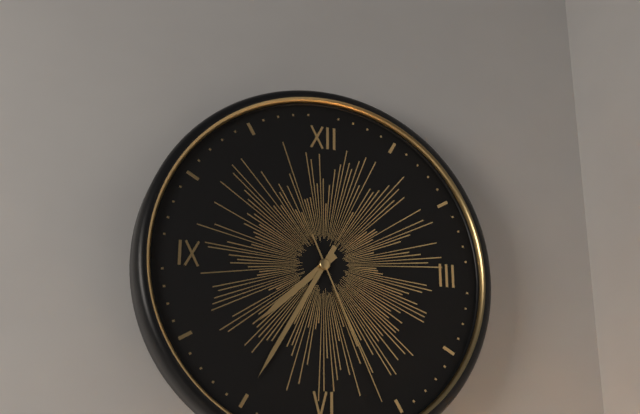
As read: h=7 m=35 s=26
